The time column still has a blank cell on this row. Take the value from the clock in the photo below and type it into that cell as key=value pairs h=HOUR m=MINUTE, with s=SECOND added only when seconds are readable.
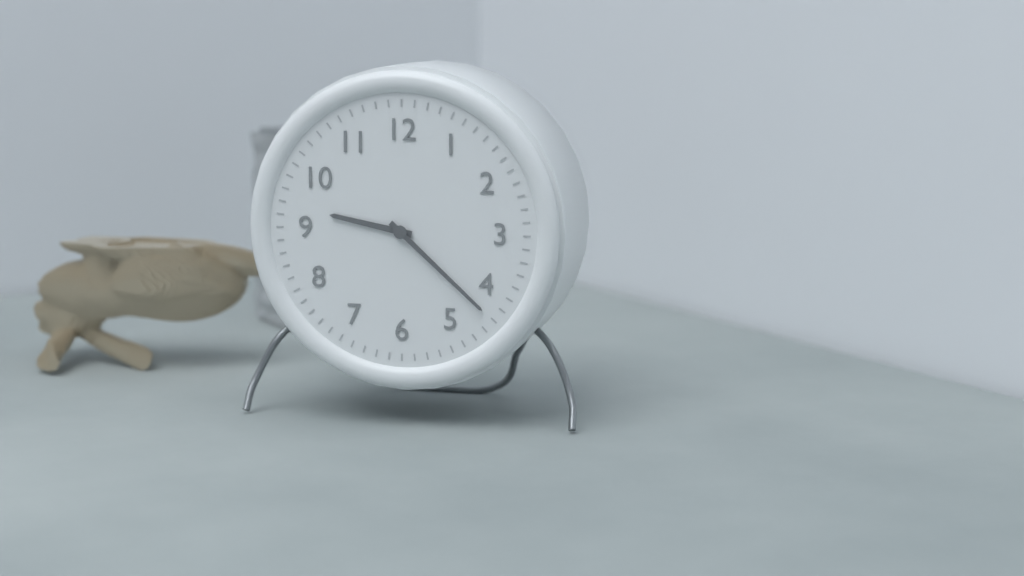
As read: h=9 m=22
